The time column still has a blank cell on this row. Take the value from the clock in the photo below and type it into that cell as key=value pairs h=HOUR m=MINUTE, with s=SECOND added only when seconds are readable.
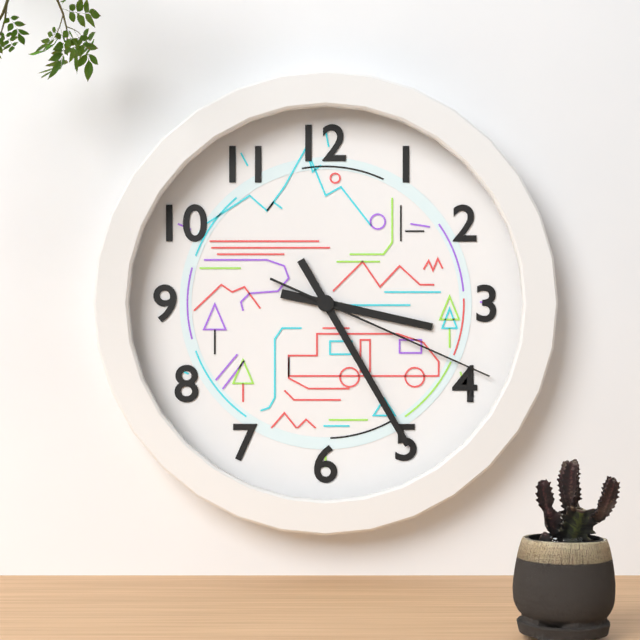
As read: h=3 m=25 s=19
